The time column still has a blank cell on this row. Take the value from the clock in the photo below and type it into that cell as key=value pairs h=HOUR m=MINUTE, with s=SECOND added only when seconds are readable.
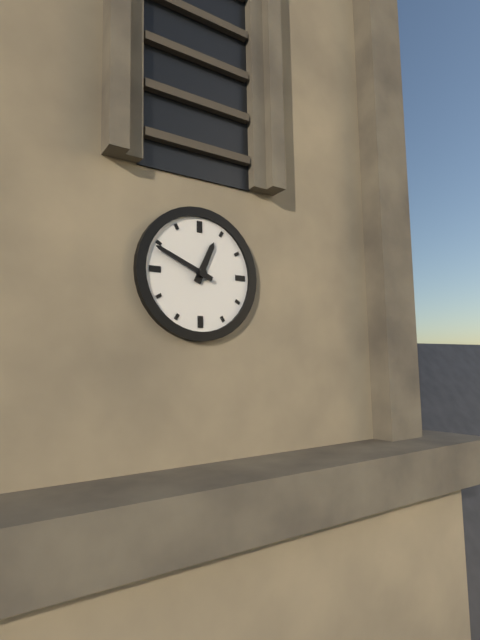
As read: h=12 m=49
